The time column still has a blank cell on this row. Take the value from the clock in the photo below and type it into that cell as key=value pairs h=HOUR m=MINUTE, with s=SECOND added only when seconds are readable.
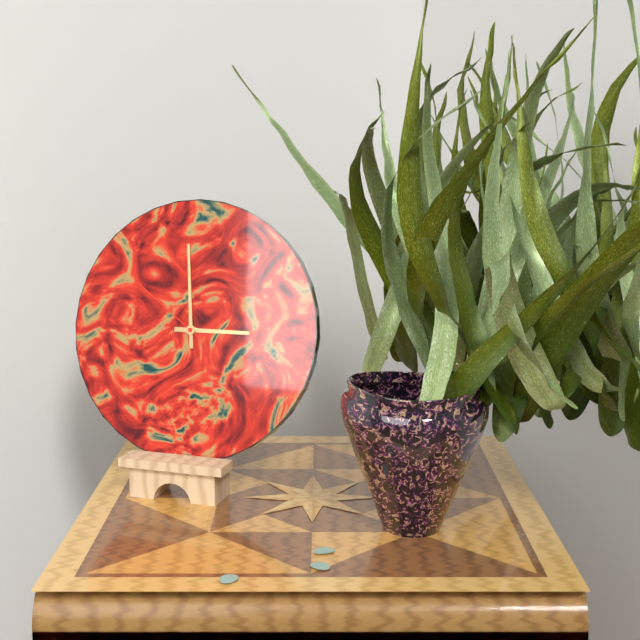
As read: h=2 m=59 s=51
